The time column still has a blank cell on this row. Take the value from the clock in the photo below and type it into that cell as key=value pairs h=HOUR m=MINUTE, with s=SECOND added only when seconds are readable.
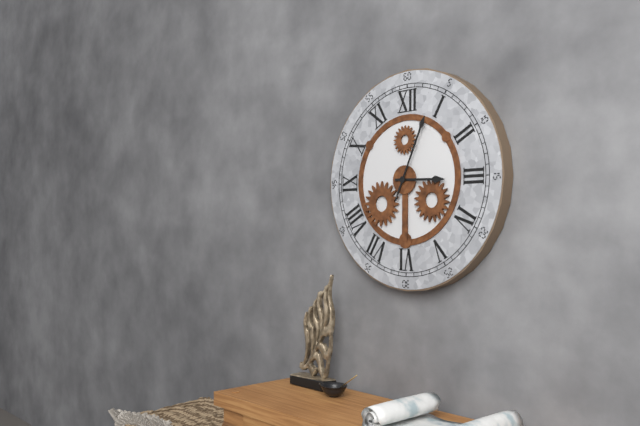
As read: h=3 m=4
